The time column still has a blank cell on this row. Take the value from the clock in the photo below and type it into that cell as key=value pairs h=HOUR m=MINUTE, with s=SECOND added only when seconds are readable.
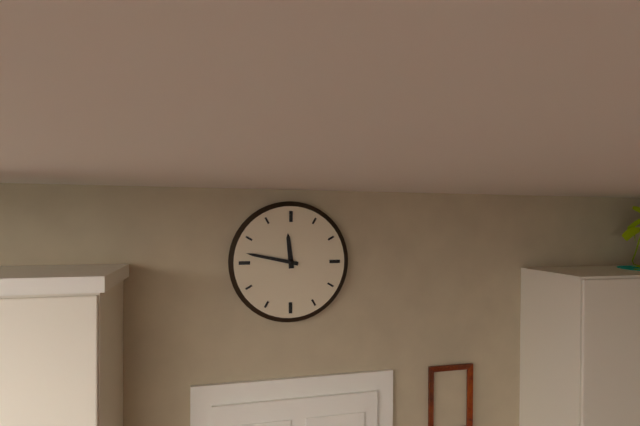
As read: h=11 m=47
